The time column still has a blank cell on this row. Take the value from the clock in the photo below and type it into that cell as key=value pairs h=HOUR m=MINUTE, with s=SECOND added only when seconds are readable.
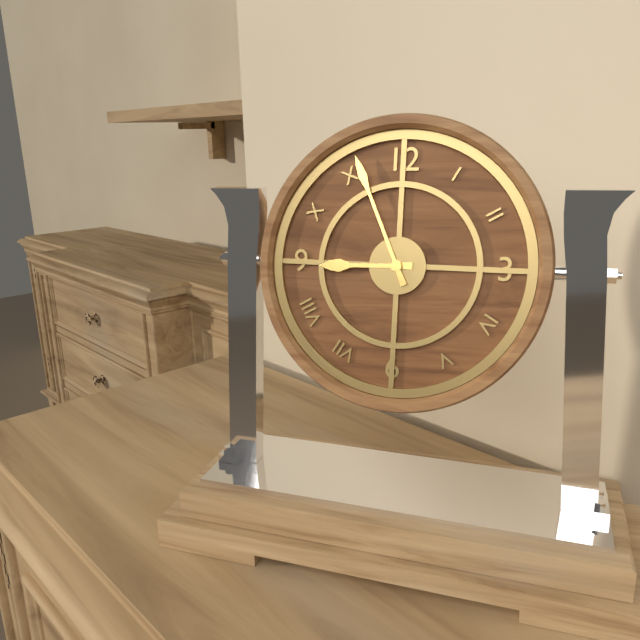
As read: h=8 m=56
